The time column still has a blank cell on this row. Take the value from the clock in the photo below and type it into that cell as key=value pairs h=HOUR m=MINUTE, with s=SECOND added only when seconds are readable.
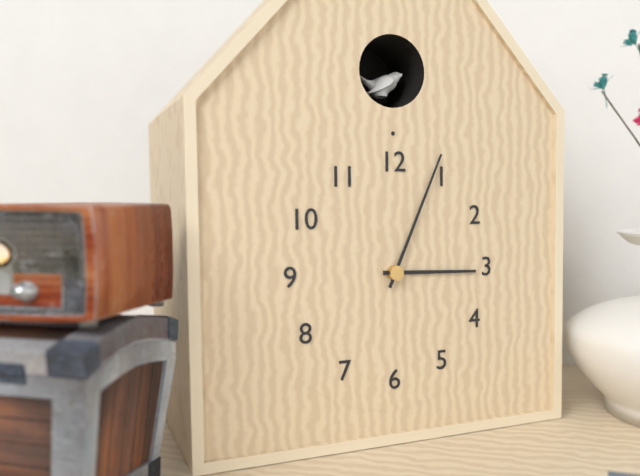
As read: h=3 m=4
